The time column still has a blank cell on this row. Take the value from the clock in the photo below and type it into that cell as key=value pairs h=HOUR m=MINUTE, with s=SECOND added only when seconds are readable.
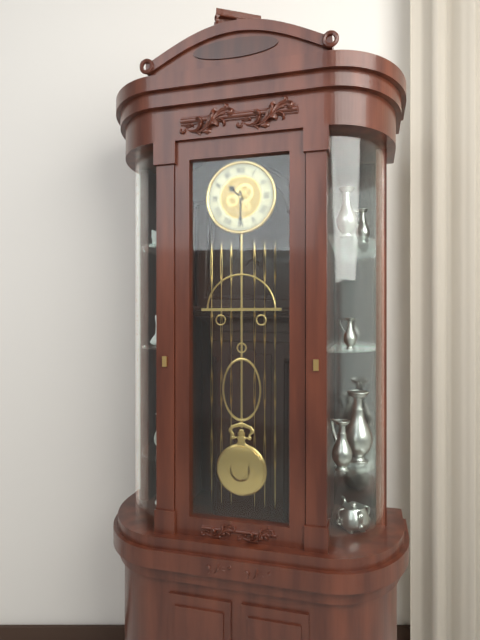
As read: h=10 m=30
